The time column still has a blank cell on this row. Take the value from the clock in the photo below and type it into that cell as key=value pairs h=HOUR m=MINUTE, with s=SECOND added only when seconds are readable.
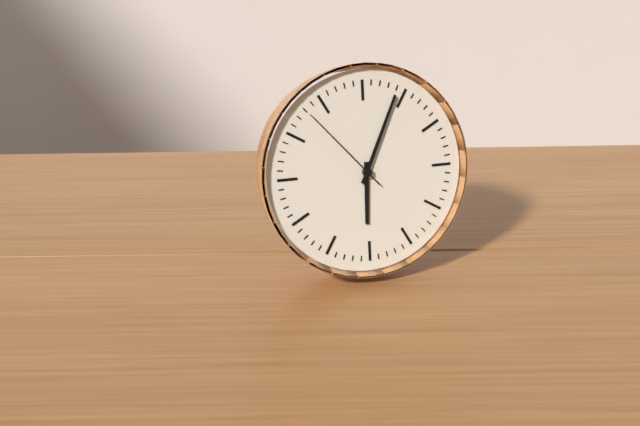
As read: h=6 m=4 s=53
